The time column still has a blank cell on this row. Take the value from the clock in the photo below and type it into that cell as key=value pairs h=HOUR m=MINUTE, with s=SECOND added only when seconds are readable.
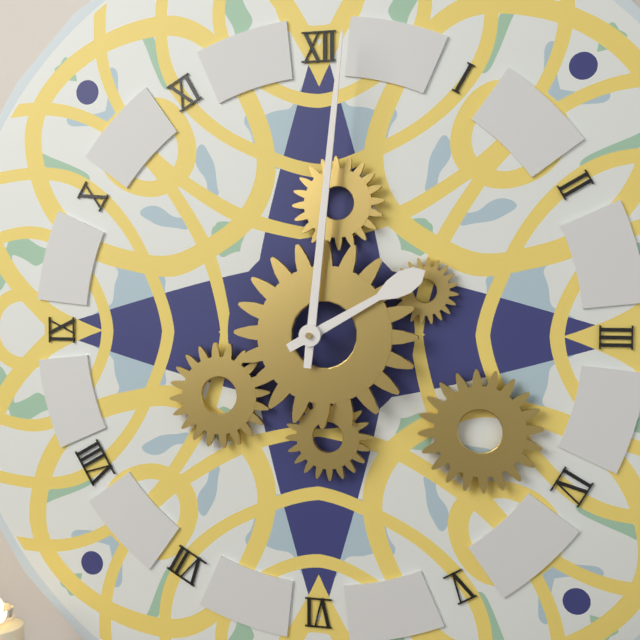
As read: h=2 m=1
